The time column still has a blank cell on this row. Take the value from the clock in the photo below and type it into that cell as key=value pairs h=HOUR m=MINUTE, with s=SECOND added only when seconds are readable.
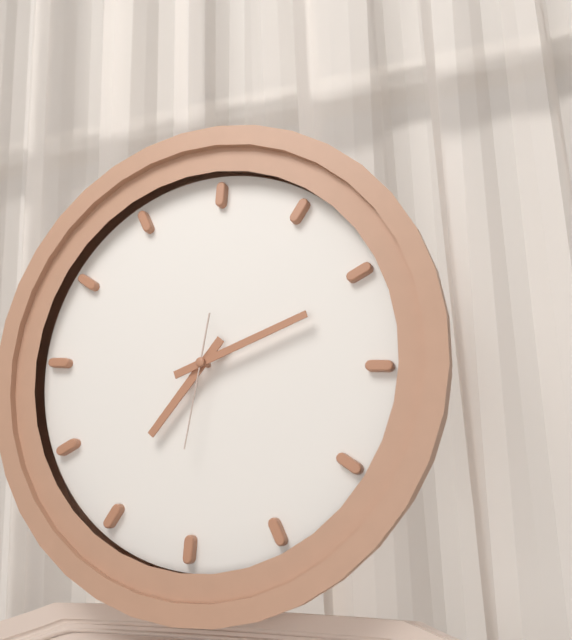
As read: h=7 m=11 s=31
